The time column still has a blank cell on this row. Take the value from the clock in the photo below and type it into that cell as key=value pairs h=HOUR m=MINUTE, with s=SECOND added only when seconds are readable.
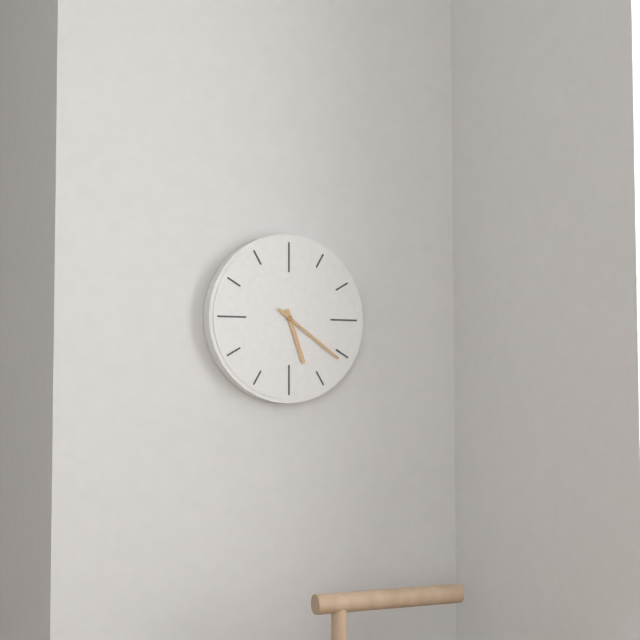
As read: h=5 m=21
